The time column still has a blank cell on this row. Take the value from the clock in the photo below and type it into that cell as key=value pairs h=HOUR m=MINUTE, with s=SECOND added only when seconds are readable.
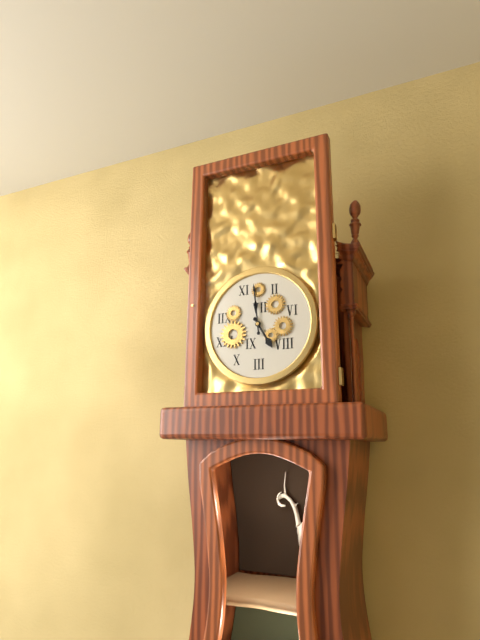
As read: h=4 m=59
